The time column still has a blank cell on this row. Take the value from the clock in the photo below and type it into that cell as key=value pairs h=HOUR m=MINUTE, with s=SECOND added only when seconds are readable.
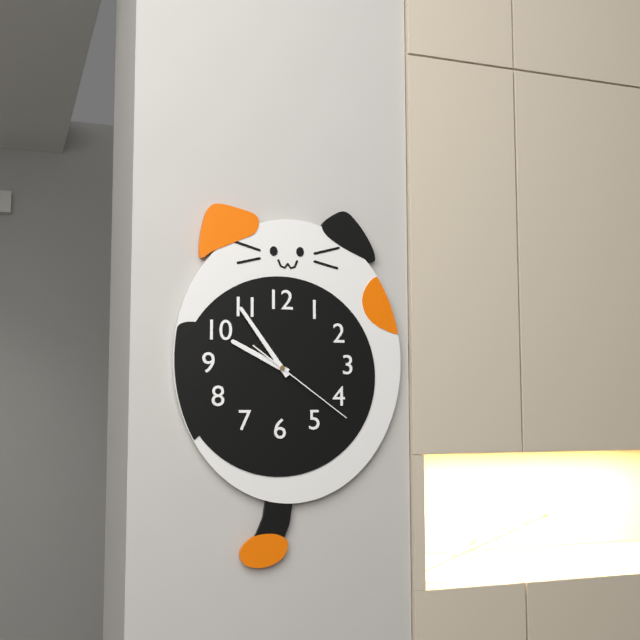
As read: h=9 m=54 s=21
